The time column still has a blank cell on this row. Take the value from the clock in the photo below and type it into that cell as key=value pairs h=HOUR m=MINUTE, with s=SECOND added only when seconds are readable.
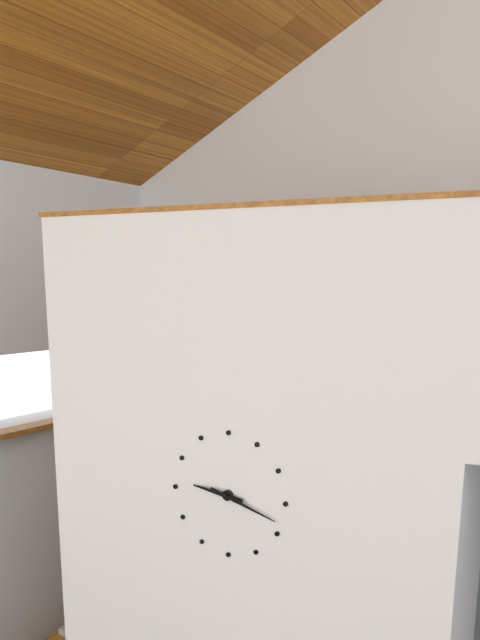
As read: h=9 m=18
